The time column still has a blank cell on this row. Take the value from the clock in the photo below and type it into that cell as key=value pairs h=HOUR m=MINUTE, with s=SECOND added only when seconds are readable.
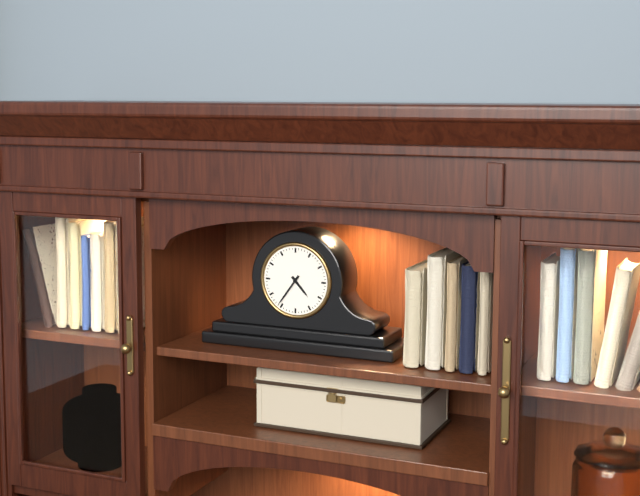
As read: h=4 m=36
